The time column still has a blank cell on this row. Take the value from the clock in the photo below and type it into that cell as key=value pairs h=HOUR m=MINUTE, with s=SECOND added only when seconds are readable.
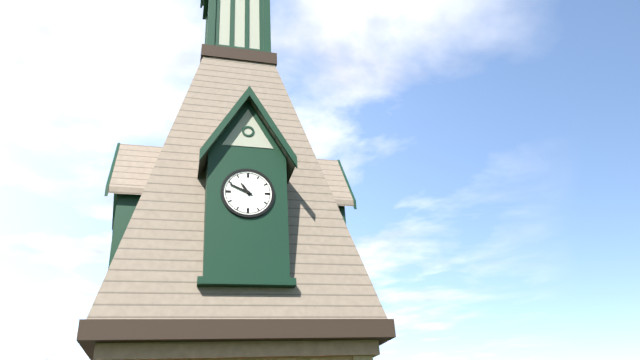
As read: h=10 m=49
